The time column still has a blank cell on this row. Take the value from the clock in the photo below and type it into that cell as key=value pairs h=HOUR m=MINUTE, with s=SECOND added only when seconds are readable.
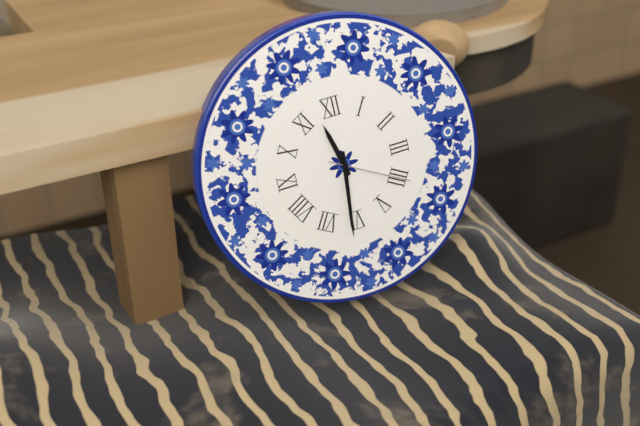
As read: h=11 m=31 s=20
